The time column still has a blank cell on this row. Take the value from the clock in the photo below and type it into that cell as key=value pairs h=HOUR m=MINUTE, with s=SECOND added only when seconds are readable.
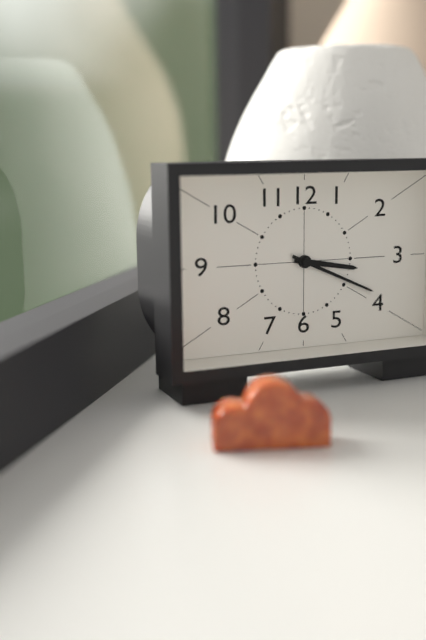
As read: h=3 m=19
